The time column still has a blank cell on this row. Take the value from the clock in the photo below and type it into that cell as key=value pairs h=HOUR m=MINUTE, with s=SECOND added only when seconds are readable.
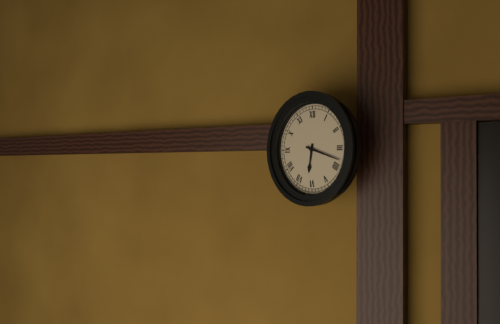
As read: h=6 m=18
